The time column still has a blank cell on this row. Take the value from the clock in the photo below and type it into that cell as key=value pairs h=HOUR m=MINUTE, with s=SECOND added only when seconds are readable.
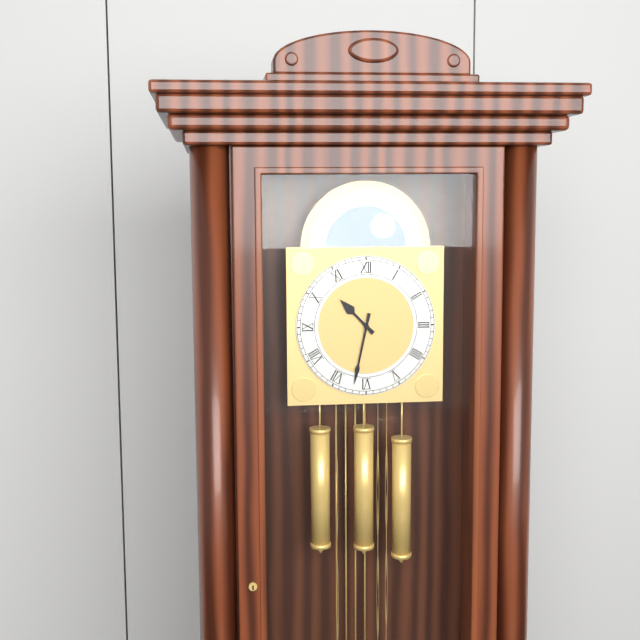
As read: h=10 m=32
